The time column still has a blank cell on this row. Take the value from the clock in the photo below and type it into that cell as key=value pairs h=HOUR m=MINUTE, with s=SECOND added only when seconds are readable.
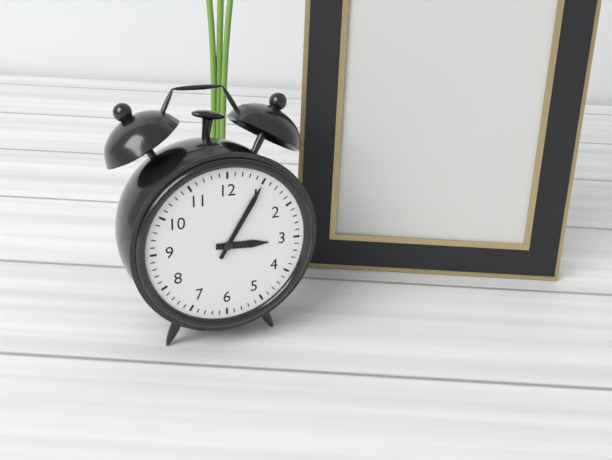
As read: h=3 m=5
